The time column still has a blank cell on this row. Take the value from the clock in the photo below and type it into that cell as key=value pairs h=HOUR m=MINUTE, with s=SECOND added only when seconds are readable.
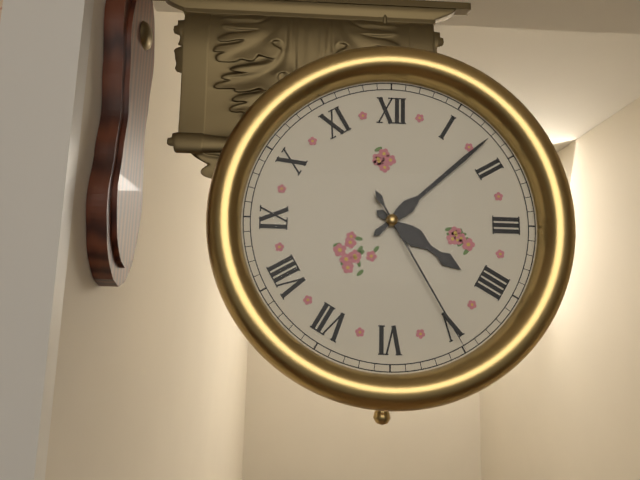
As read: h=4 m=8 s=25
